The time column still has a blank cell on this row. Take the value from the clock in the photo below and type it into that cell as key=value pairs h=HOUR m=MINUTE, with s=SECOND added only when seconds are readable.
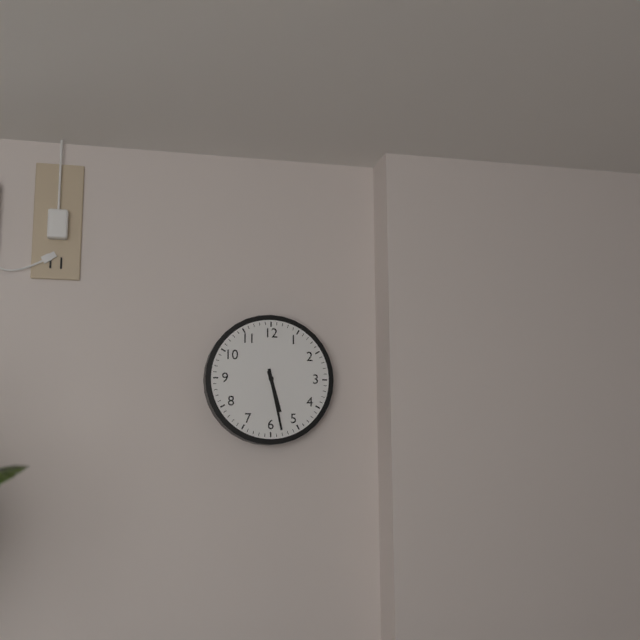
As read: h=5 m=28
